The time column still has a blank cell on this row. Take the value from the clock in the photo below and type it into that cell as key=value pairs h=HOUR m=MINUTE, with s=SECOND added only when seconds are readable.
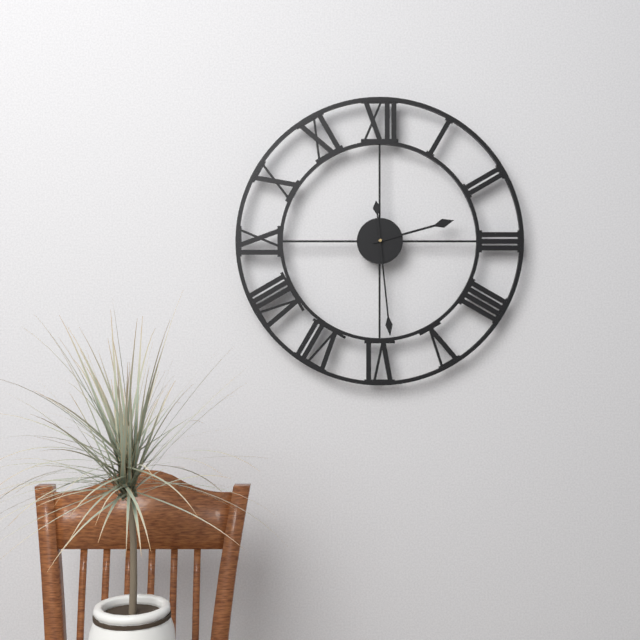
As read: h=2 m=29
